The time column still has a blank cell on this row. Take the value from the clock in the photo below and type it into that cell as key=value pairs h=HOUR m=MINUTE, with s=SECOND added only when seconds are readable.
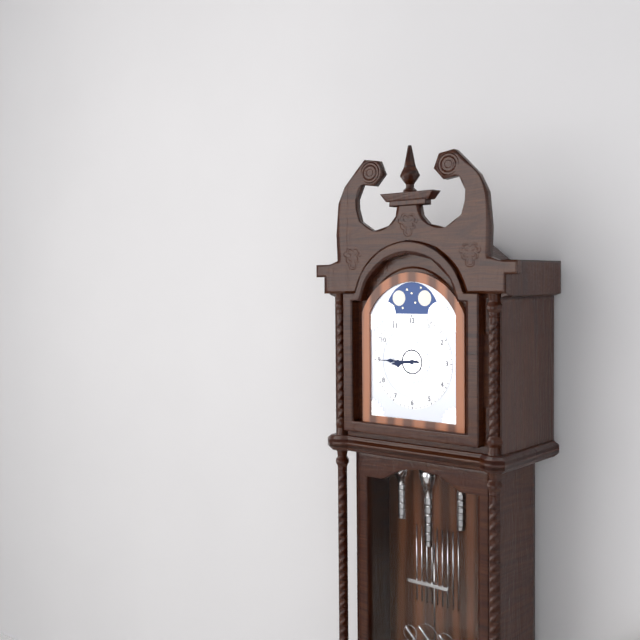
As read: h=8 m=45
